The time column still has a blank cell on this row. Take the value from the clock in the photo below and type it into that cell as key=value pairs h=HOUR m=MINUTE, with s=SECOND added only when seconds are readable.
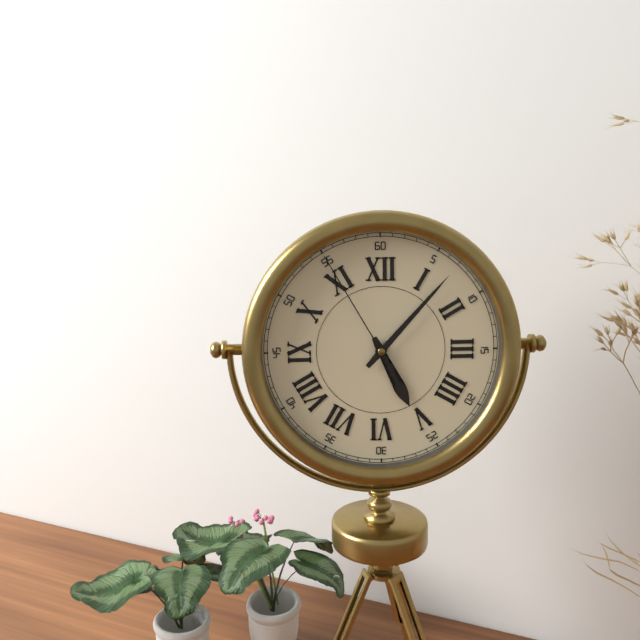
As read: h=5 m=7 s=55
